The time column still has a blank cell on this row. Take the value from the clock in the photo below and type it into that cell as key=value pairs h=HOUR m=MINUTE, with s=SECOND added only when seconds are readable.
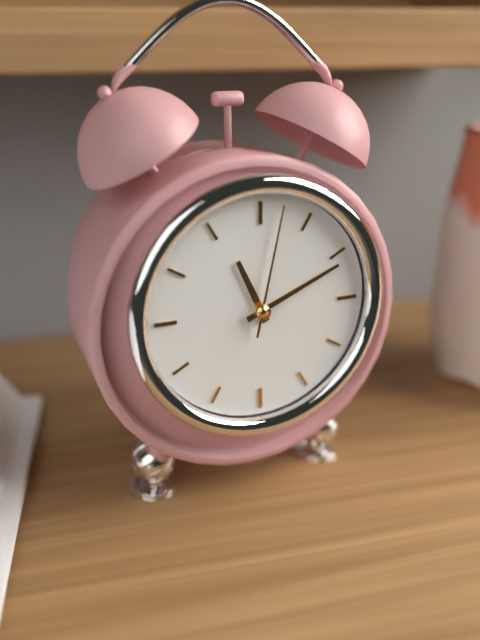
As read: h=11 m=11 s=2
